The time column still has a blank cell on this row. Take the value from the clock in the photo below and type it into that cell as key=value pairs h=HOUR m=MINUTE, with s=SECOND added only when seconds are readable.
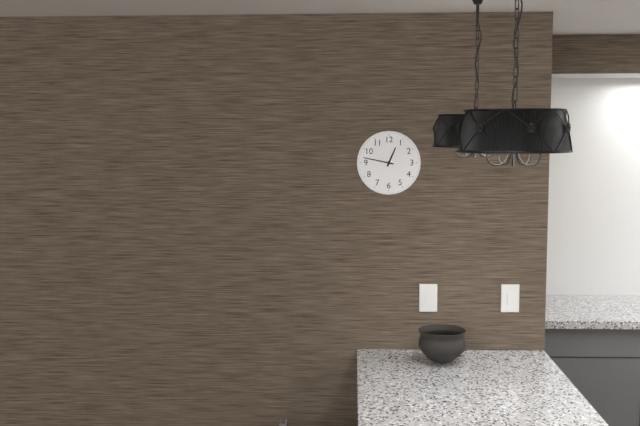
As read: h=12 m=47
